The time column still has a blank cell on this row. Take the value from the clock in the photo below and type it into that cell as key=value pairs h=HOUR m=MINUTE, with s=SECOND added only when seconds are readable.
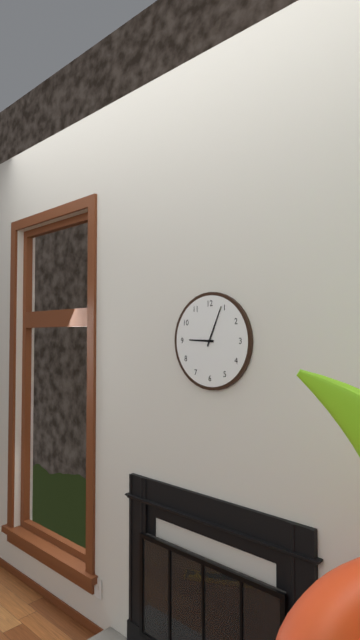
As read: h=9 m=4
